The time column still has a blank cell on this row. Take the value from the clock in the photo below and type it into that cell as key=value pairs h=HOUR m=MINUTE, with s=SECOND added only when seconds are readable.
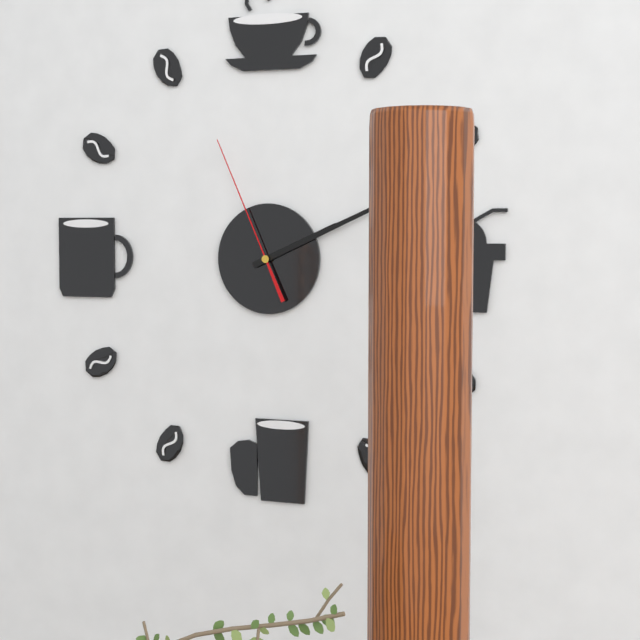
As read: h=2 m=11 s=56
